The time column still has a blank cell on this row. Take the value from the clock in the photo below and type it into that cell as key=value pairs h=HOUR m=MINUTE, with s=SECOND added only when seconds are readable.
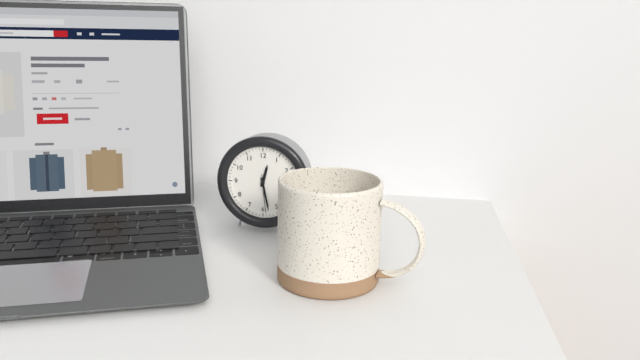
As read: h=12 m=28
